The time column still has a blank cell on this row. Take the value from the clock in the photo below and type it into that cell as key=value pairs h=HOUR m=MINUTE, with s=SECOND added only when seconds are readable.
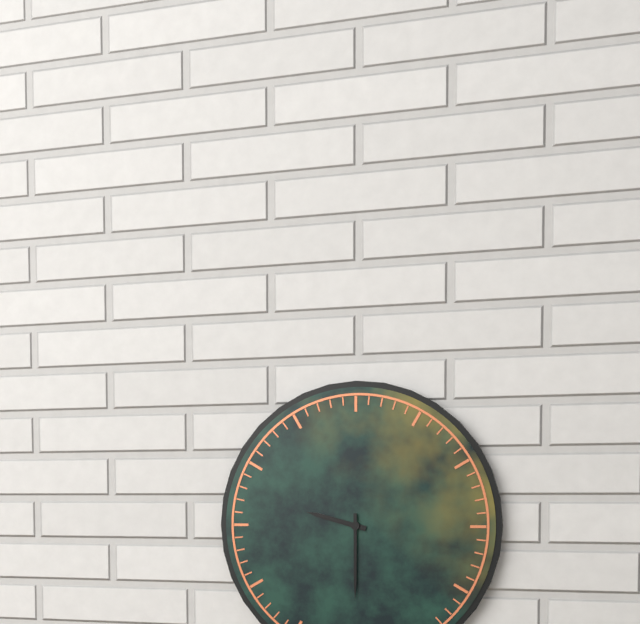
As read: h=9 m=30
